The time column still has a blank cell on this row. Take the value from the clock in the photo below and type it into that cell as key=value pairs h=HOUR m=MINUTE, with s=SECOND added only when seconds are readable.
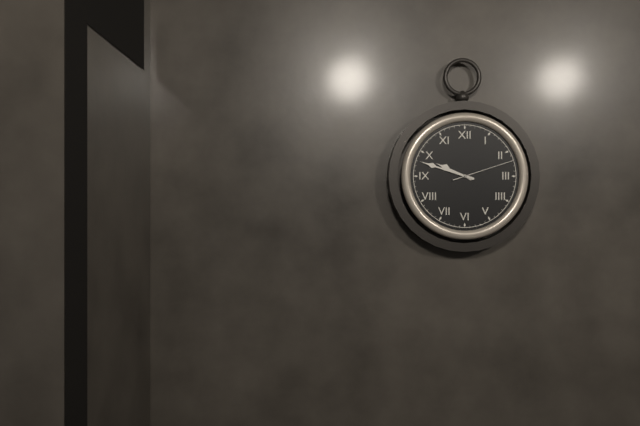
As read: h=9 m=48 s=12
